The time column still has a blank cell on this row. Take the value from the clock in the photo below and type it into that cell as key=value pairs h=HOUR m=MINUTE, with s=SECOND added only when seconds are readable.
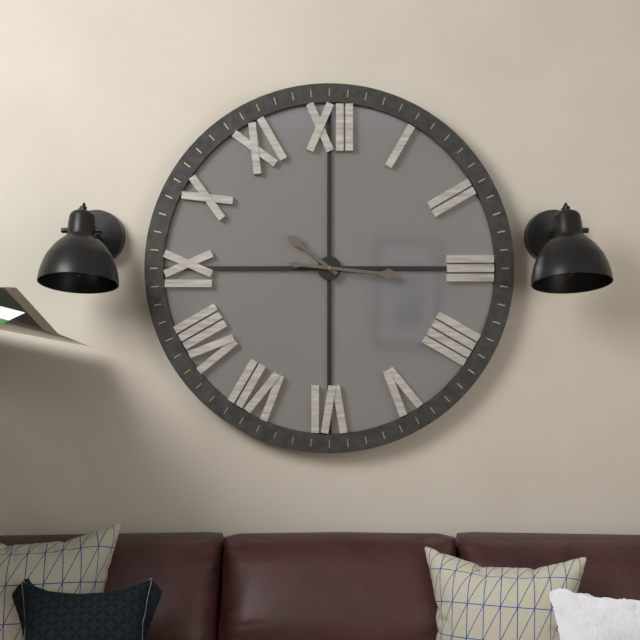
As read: h=10 m=16
